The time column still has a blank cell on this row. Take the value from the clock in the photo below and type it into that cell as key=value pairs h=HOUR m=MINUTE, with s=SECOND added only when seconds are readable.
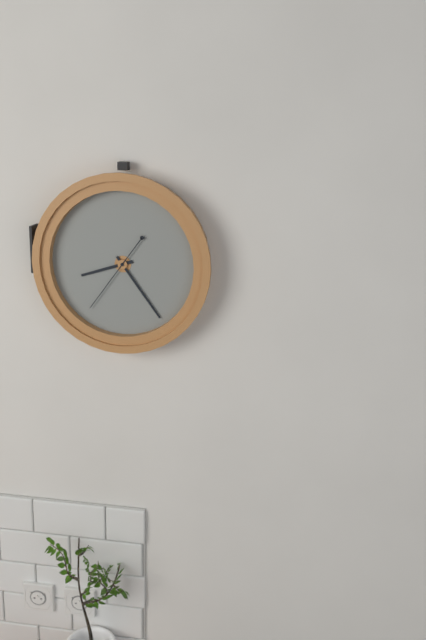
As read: h=8 m=24 s=36
